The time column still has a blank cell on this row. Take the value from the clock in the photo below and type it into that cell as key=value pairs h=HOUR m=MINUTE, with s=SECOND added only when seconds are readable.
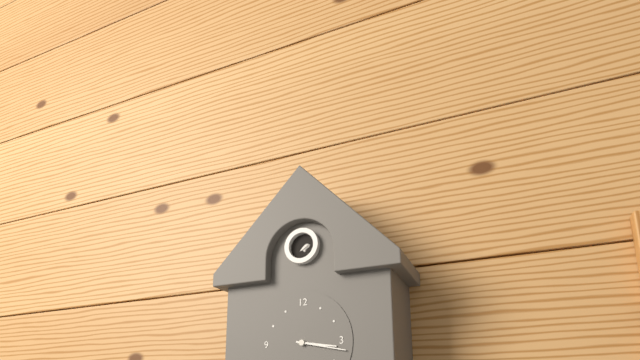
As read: h=3 m=17
